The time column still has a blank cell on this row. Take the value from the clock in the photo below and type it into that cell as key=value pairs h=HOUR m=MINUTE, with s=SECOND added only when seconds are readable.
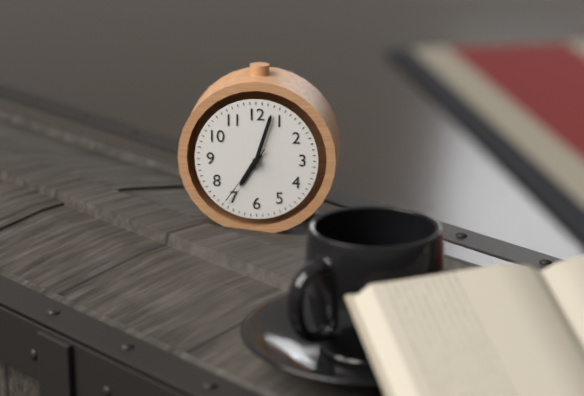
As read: h=7 m=3 s=36
